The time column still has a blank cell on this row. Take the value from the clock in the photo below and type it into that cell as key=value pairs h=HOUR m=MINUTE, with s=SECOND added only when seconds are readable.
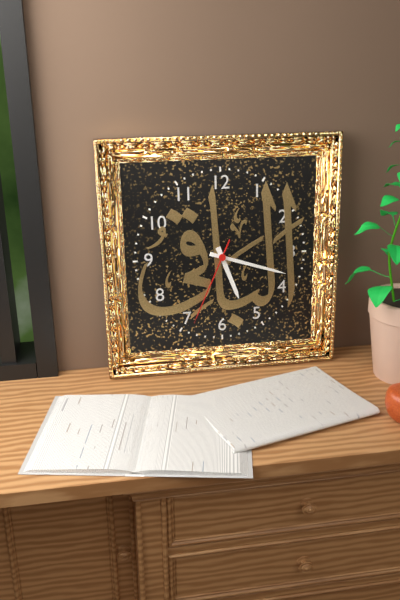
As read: h=5 m=18 s=34
